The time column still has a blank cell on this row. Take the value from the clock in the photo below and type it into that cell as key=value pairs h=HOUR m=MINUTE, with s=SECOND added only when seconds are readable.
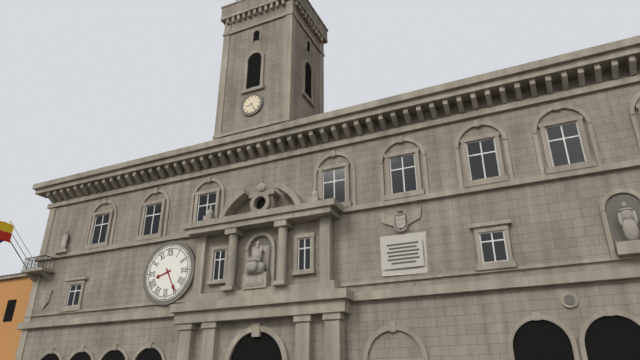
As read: h=8 m=25
